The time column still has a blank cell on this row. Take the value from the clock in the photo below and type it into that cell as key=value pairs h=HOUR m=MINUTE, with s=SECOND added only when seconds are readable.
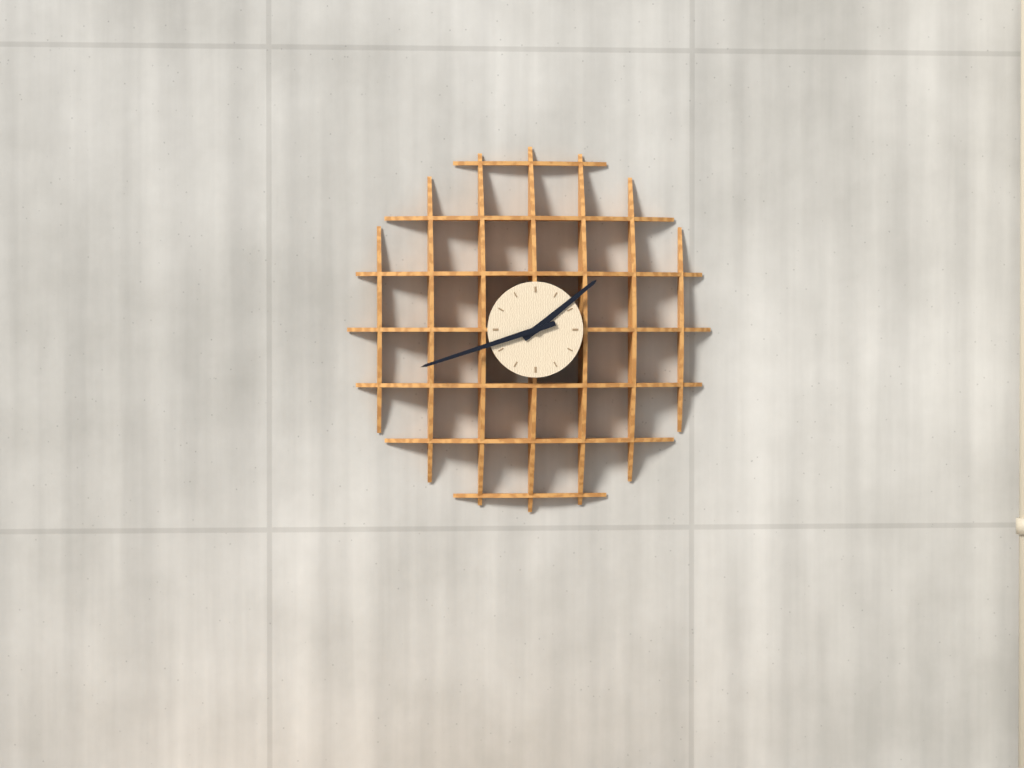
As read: h=1 m=42
